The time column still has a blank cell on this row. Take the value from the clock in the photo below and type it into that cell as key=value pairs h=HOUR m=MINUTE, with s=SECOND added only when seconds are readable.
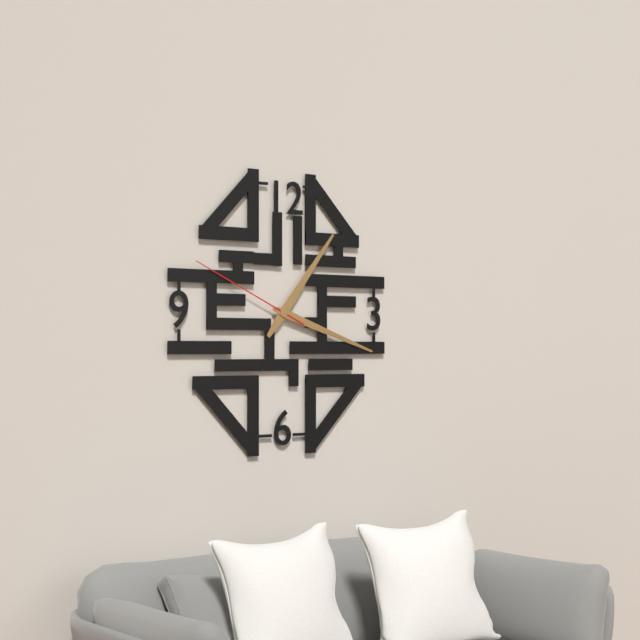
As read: h=1 m=18 s=49
